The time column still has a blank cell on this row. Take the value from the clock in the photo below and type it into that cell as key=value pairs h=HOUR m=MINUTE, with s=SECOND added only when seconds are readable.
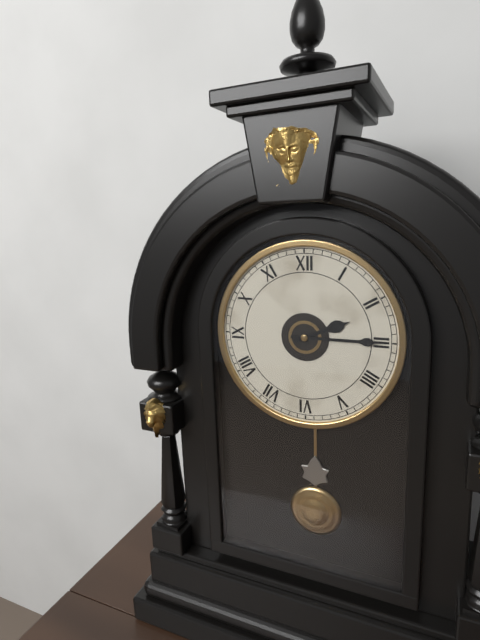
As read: h=2 m=15
